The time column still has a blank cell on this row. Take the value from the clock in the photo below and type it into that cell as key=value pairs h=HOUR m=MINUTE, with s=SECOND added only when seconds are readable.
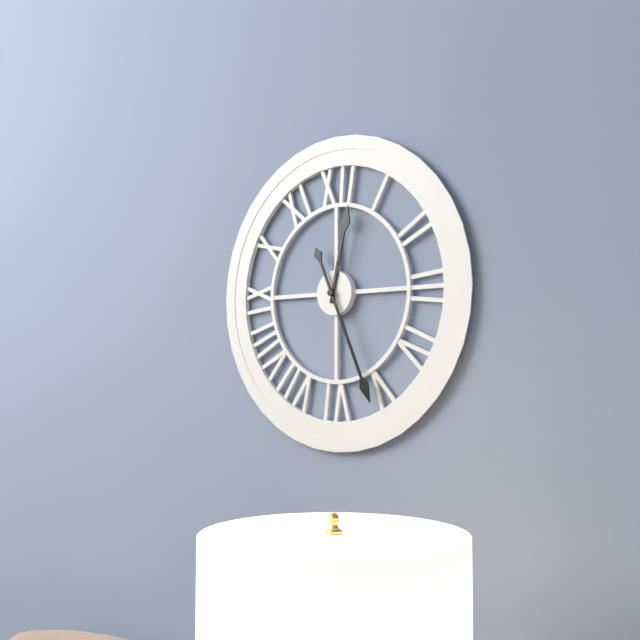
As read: h=12 m=26
